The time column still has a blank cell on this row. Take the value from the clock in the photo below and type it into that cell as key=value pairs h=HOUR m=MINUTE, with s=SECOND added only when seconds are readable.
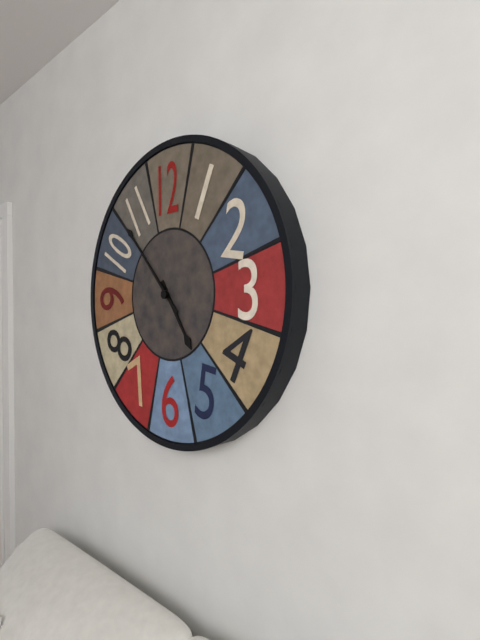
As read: h=4 m=53
